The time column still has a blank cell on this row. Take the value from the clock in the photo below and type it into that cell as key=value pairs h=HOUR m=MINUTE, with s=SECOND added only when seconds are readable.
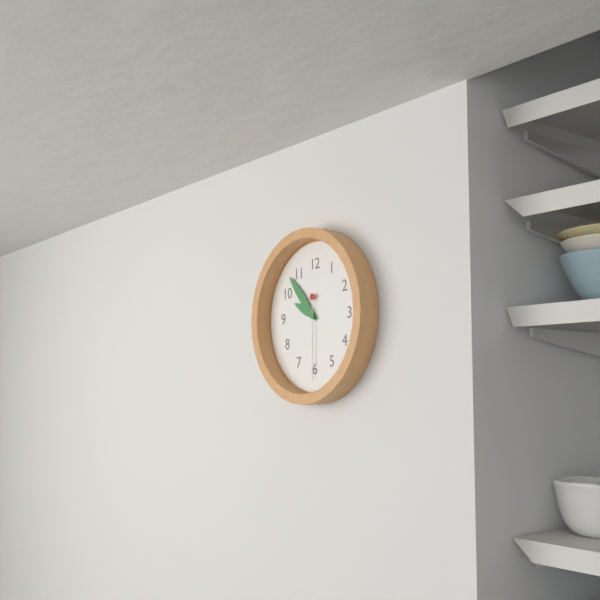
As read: h=9 m=53 s=30
